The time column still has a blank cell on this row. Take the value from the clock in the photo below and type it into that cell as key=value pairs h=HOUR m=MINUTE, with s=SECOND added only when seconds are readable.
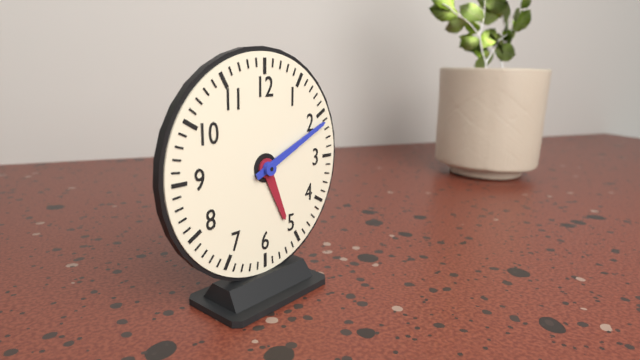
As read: h=5 m=11
